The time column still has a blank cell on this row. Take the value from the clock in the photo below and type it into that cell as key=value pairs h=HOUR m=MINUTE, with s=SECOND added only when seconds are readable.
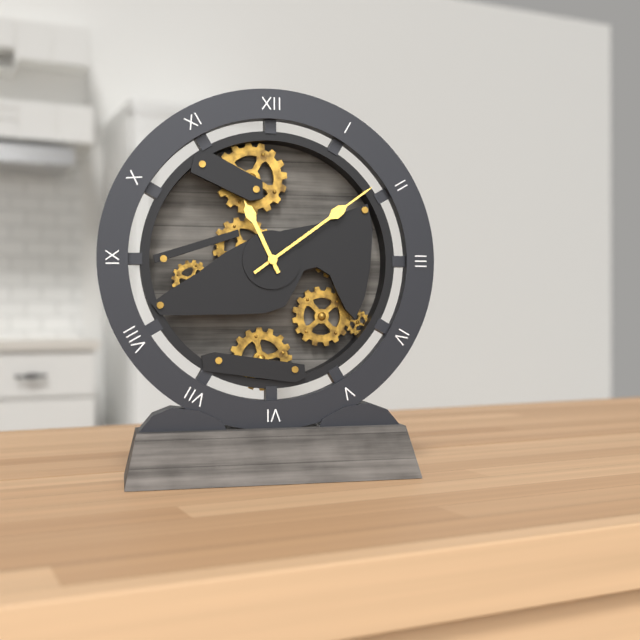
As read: h=11 m=9
